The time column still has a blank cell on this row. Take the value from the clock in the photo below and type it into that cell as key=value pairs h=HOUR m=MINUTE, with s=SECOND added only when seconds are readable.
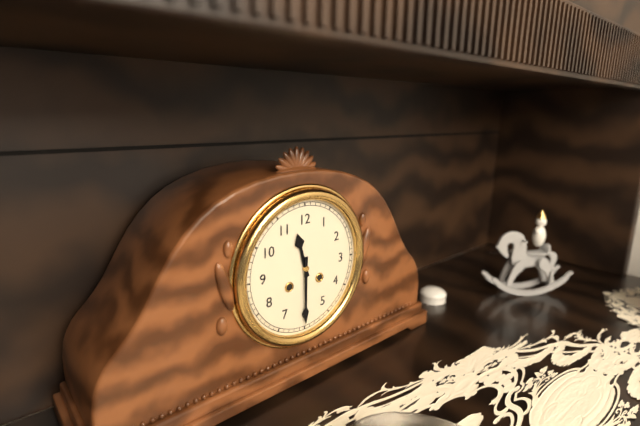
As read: h=11 m=30
